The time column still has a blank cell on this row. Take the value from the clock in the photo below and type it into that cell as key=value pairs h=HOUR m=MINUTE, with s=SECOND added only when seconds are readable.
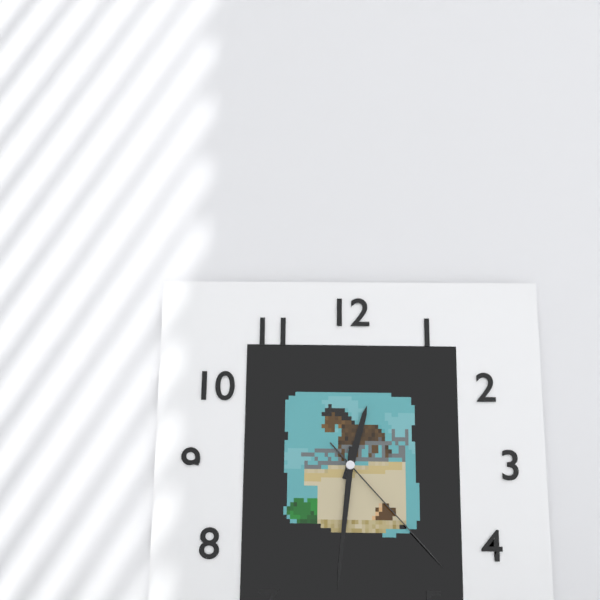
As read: h=12 m=31 s=23
